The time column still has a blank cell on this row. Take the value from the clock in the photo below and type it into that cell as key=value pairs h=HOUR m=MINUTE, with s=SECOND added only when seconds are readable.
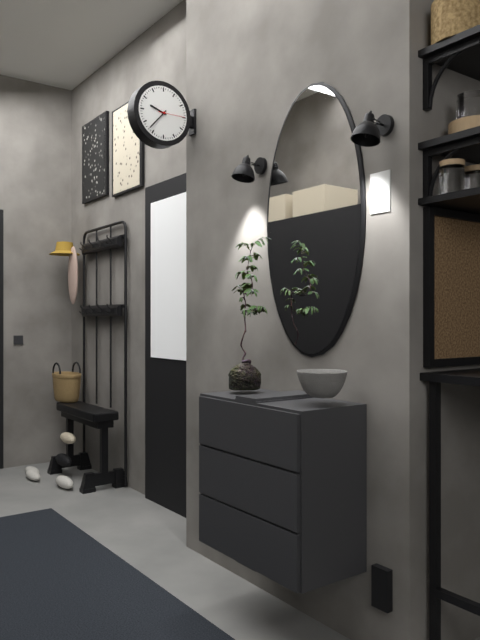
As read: h=9 m=37
